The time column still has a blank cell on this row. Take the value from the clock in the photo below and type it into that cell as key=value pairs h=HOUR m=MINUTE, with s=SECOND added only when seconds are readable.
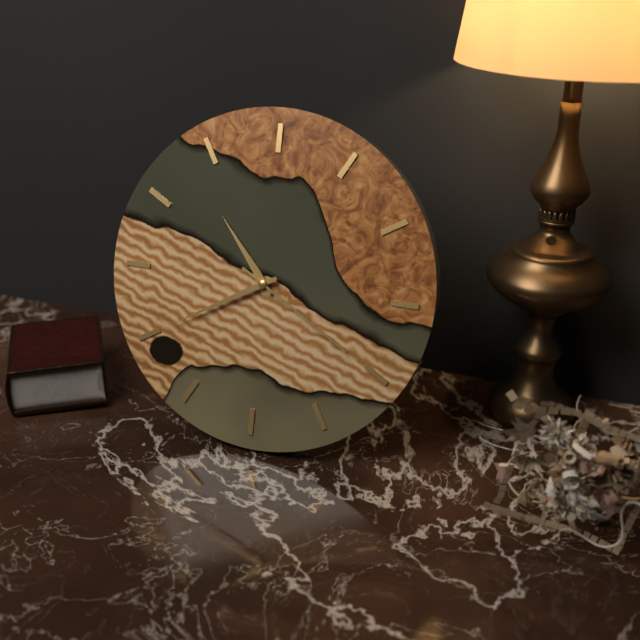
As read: h=10 m=40 s=20
